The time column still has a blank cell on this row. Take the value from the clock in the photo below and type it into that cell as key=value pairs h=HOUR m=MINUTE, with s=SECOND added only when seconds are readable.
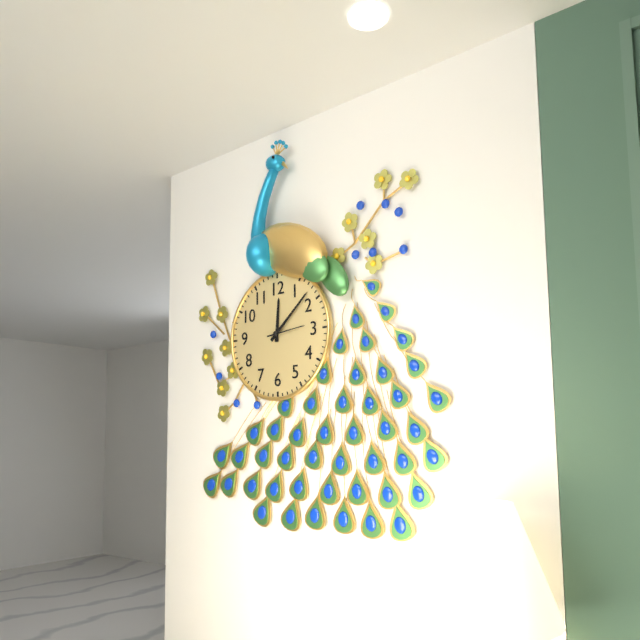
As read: h=12 m=8
